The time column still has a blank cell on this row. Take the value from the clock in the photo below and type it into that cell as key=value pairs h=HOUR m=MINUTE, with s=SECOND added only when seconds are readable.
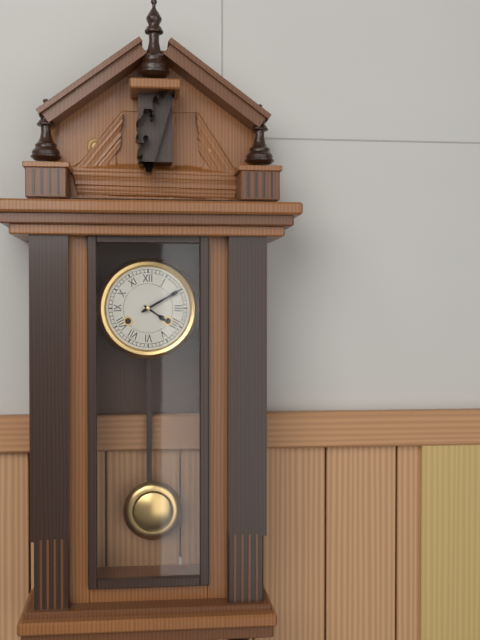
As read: h=4 m=10
